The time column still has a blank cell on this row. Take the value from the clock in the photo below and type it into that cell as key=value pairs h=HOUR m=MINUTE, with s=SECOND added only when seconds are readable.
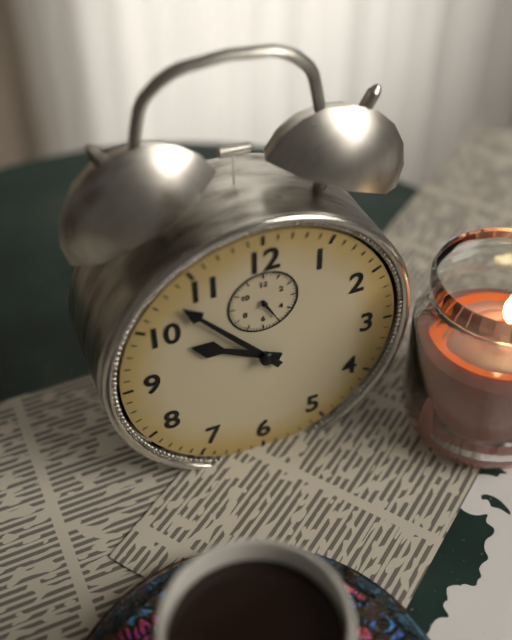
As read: h=9 m=53
